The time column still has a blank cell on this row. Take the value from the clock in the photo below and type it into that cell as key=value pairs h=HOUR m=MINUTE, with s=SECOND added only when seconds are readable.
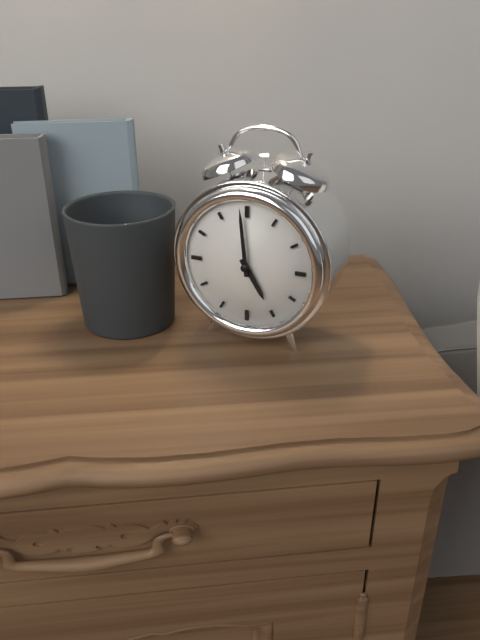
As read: h=4 m=59
